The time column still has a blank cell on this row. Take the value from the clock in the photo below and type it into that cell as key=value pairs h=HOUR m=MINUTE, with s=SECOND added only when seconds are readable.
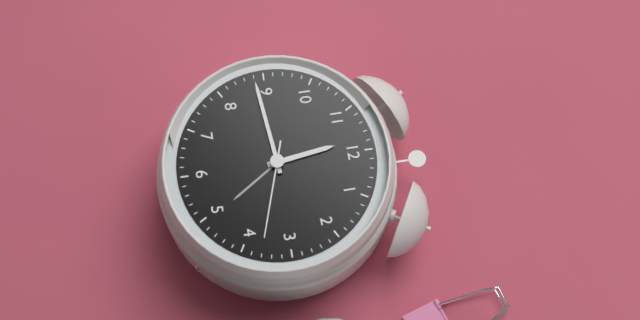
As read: h=11 m=44 s=18
